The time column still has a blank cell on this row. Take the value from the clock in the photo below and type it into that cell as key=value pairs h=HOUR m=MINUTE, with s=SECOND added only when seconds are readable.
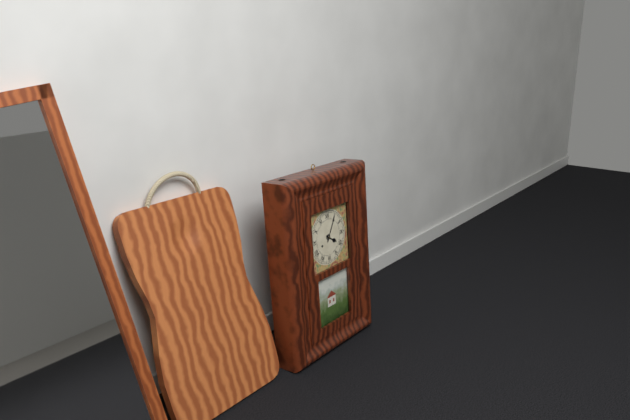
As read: h=4 m=5
